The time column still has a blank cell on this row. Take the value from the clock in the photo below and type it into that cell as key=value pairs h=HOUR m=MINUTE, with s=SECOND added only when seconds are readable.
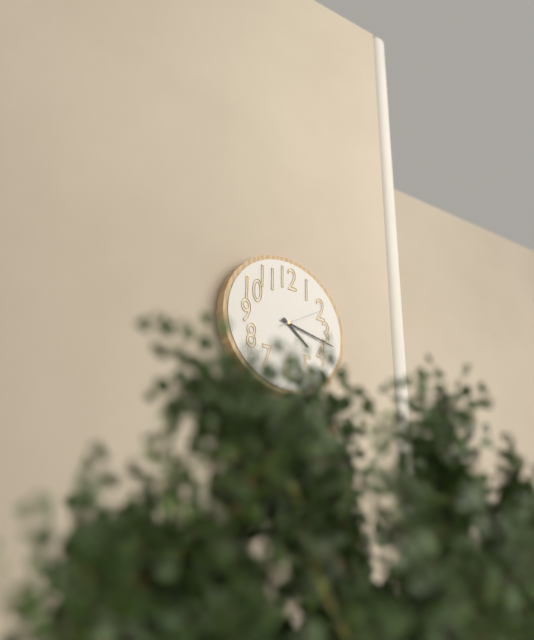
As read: h=4 m=17
